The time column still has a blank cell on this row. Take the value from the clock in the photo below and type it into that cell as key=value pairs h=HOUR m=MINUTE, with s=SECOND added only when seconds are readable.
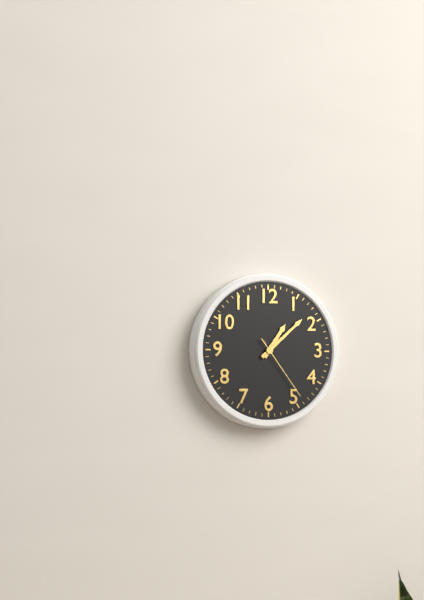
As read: h=1 m=8 s=24
